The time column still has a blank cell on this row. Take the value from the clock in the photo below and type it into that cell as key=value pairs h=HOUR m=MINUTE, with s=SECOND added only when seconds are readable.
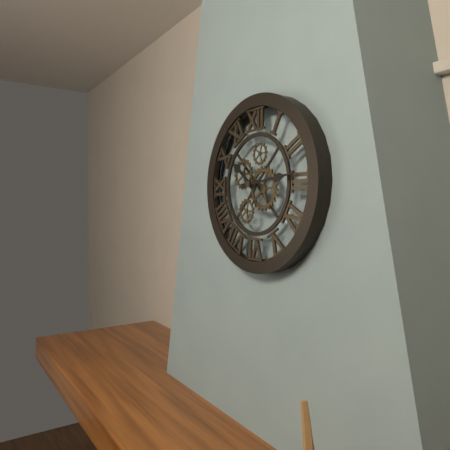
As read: h=10 m=14
